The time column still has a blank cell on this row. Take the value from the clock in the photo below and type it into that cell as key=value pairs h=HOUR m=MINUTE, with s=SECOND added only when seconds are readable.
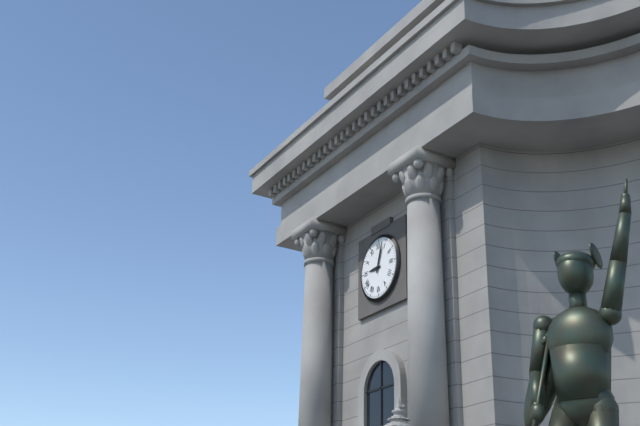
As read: h=9 m=3
